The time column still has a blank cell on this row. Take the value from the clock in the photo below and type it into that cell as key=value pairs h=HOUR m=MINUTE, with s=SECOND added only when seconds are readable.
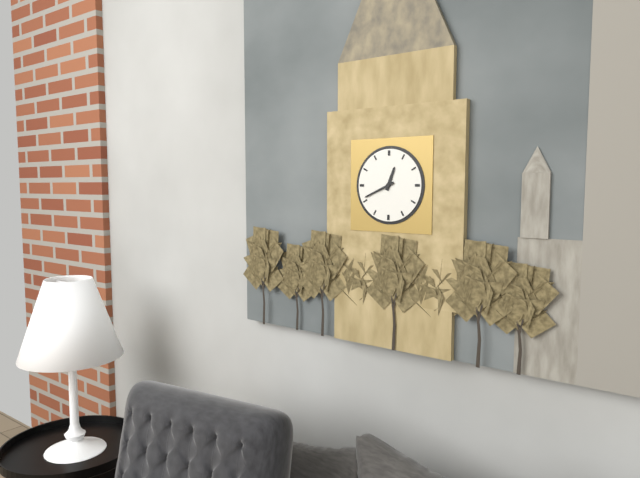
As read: h=12 m=41
